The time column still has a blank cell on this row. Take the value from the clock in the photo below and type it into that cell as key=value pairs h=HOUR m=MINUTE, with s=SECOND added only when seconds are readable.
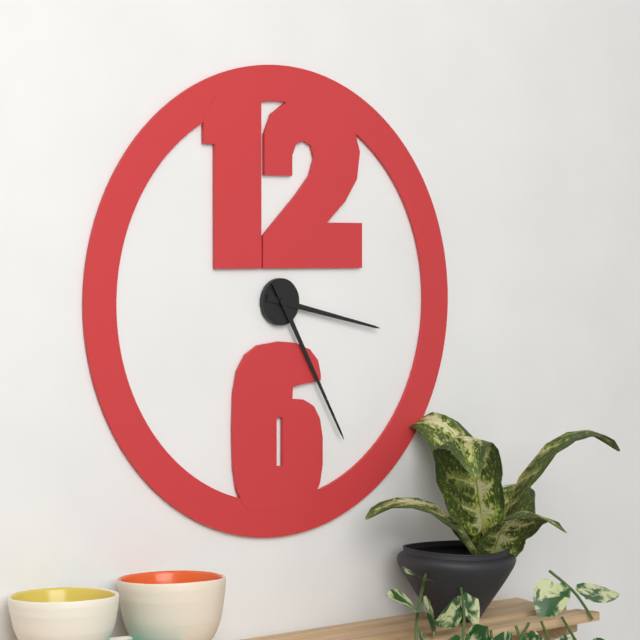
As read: h=3 m=25
